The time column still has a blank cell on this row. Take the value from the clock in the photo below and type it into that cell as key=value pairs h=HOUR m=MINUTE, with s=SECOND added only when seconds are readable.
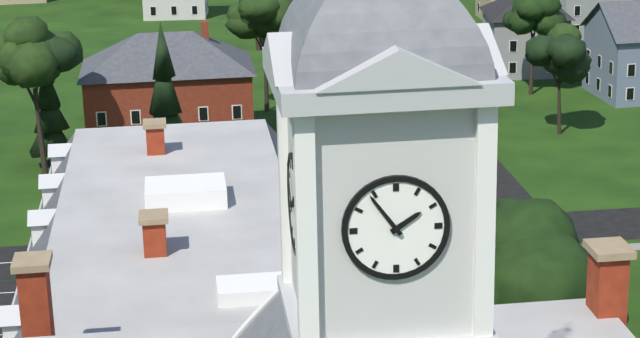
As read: h=1 m=54
